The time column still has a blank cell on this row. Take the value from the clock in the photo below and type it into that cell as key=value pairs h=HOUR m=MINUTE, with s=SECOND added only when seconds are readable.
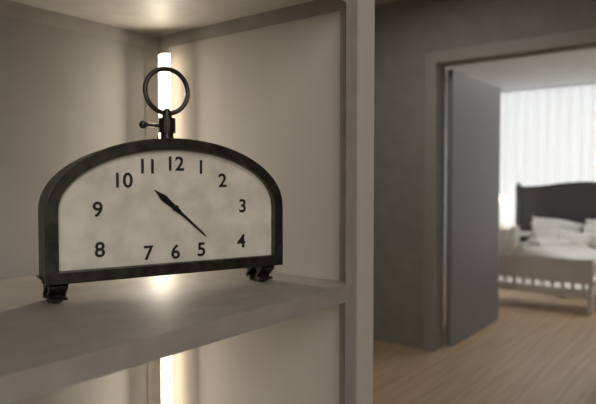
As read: h=10 m=22
